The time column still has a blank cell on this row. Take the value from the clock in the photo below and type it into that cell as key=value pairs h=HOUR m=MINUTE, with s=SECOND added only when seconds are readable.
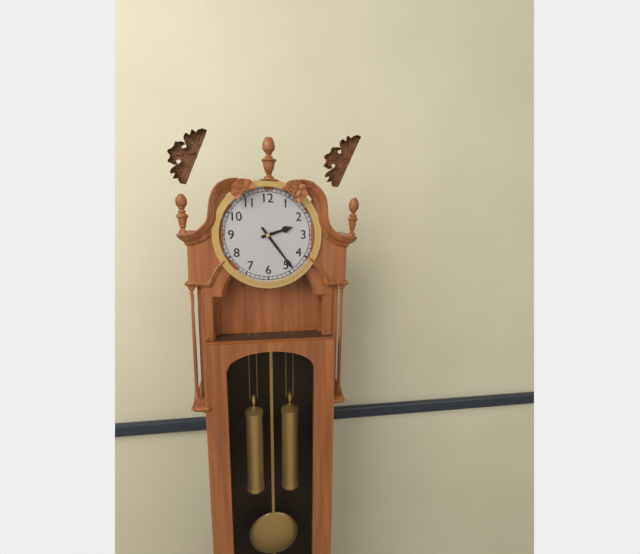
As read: h=2 m=24
